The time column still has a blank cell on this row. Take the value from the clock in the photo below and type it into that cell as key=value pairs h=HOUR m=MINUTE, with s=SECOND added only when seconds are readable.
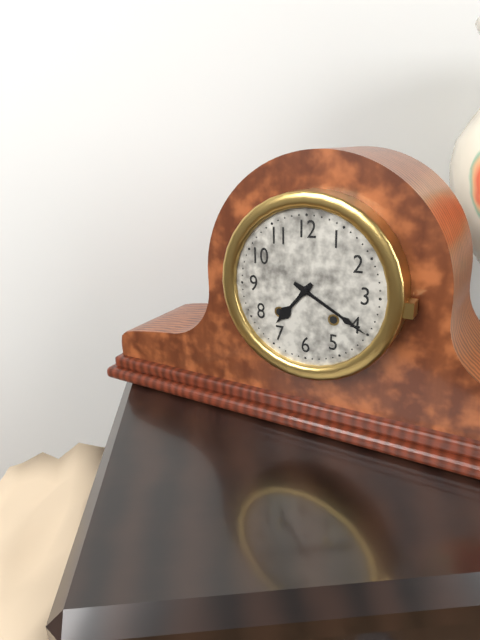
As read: h=7 m=20
